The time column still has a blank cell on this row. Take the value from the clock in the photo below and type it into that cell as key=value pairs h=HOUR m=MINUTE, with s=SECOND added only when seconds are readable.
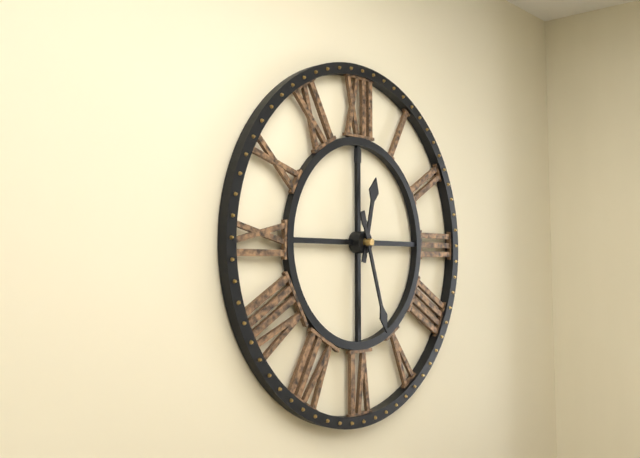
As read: h=12 m=27
